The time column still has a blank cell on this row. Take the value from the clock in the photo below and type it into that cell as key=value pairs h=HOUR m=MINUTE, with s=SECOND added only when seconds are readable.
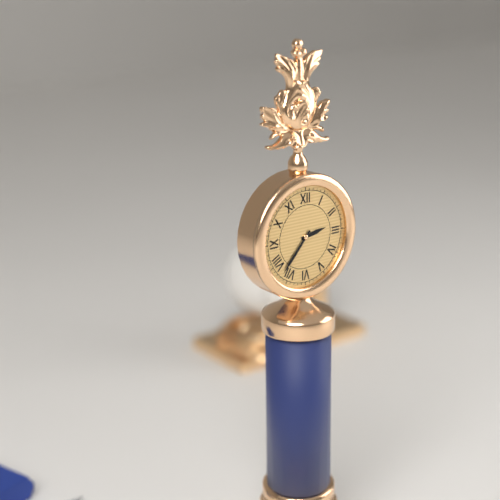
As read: h=2 m=37
